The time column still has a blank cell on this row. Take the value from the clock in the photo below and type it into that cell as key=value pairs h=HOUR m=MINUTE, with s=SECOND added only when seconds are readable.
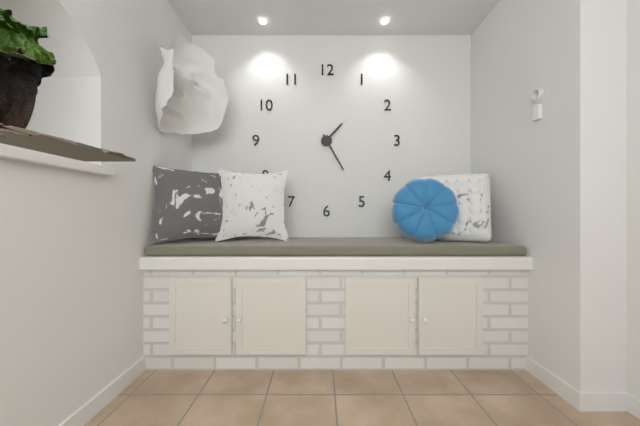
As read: h=1 m=25
